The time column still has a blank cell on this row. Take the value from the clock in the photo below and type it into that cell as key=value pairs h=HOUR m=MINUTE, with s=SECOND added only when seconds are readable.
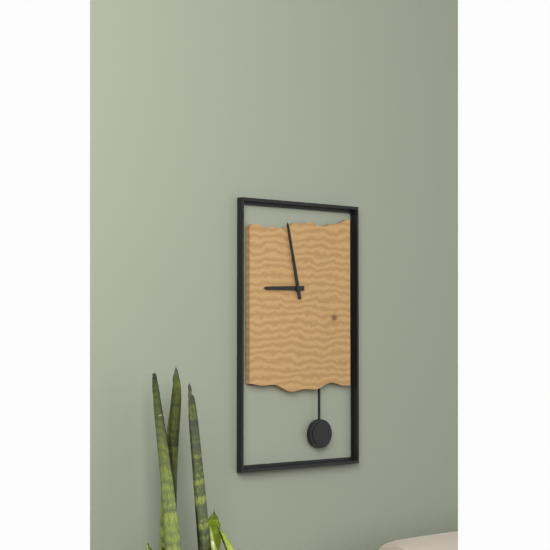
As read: h=8 m=58
